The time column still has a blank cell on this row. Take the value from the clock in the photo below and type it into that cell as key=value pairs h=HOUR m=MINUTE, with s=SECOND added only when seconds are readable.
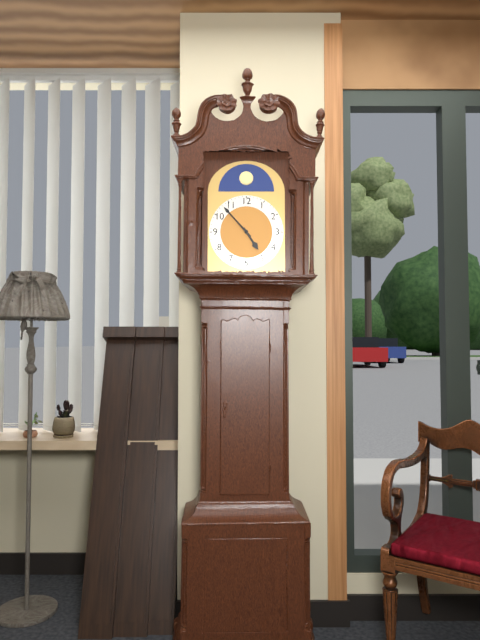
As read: h=4 m=53
